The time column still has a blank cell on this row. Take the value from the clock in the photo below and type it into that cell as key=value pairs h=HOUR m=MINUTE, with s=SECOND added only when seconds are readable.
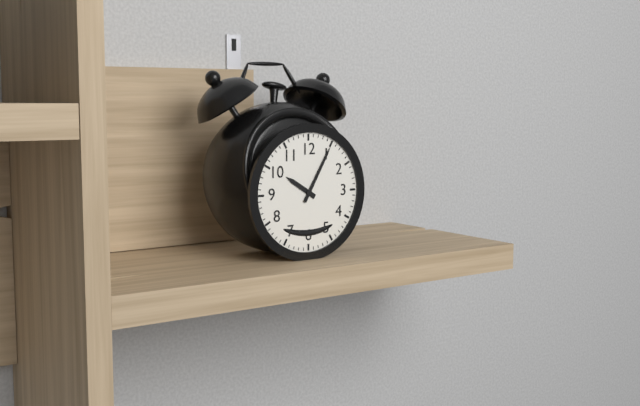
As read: h=10 m=5
